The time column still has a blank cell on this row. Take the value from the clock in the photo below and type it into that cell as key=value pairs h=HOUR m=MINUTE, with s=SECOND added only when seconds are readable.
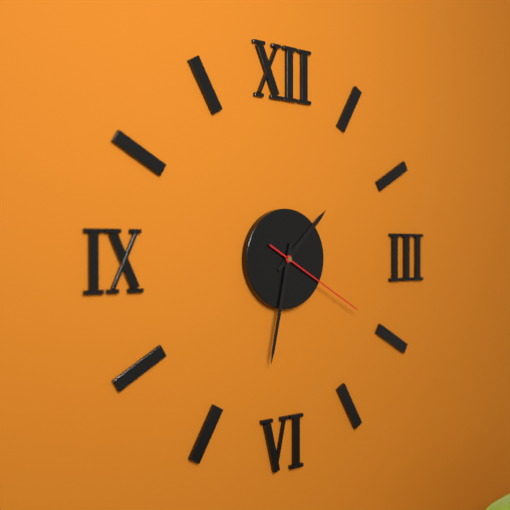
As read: h=1 m=32 s=20
